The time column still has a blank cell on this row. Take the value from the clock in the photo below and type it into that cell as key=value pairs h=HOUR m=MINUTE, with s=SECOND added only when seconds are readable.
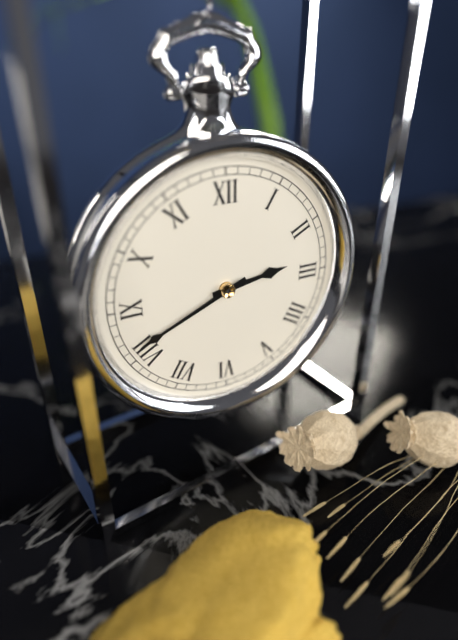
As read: h=2 m=41
